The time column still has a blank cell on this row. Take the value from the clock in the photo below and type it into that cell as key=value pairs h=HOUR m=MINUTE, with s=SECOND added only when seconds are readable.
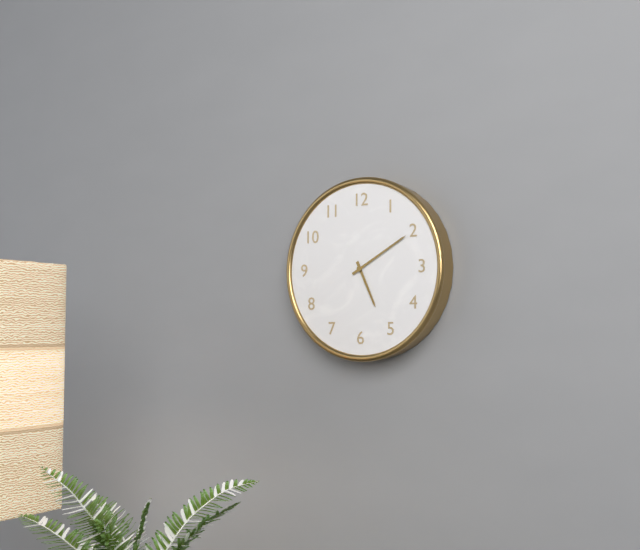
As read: h=5 m=10
